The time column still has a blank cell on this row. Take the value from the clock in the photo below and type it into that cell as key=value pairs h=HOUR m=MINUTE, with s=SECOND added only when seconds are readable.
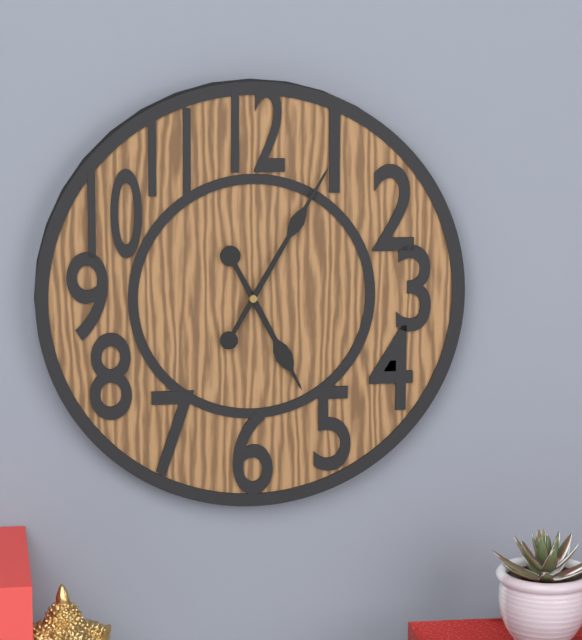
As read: h=5 m=5
